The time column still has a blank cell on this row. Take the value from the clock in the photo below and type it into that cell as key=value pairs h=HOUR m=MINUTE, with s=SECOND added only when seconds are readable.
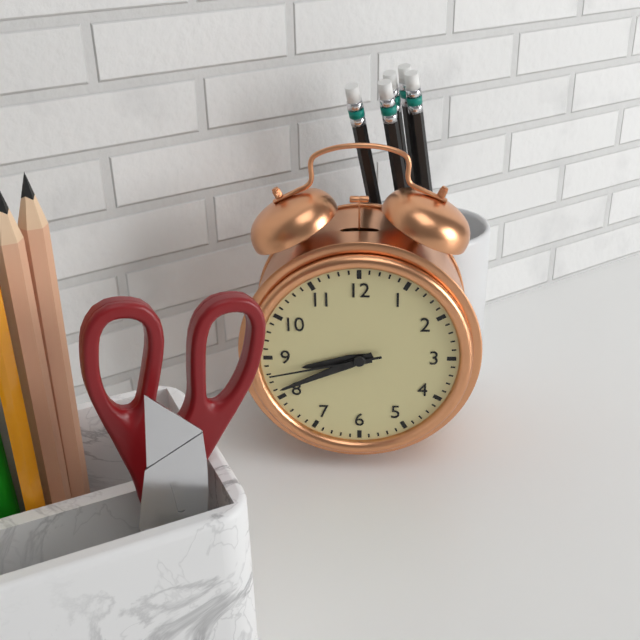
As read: h=8 m=41 s=43
